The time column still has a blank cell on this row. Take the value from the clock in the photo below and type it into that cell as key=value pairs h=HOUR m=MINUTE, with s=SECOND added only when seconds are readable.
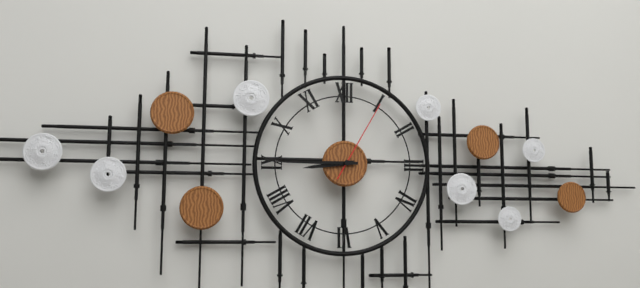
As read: h=8 m=45 s=5
